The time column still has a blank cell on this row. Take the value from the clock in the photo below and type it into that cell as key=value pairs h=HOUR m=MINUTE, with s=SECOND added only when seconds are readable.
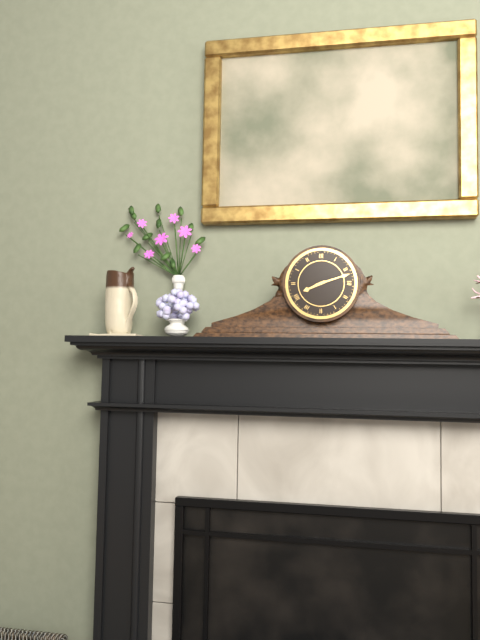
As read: h=8 m=12
